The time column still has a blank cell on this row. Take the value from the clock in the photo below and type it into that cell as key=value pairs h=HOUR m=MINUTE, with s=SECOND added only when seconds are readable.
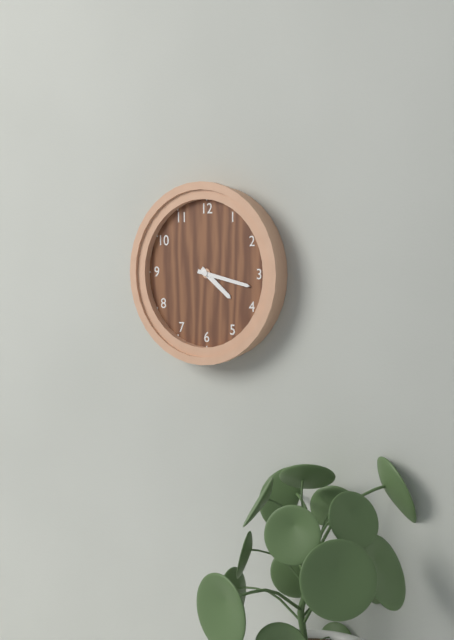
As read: h=4 m=17
